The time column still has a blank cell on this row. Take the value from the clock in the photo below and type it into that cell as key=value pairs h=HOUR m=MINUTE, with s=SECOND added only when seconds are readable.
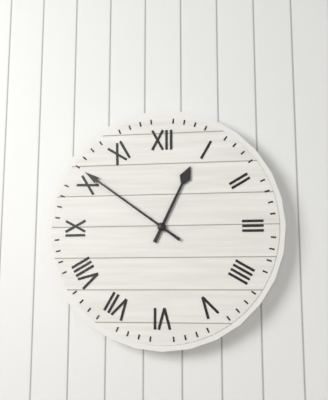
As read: h=12 m=51
